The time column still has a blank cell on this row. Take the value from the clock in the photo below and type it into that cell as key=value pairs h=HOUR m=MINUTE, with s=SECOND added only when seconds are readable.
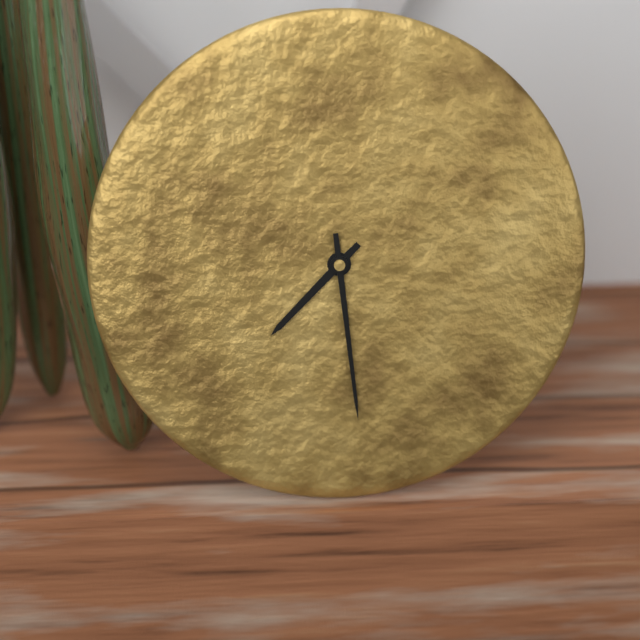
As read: h=7 m=29
